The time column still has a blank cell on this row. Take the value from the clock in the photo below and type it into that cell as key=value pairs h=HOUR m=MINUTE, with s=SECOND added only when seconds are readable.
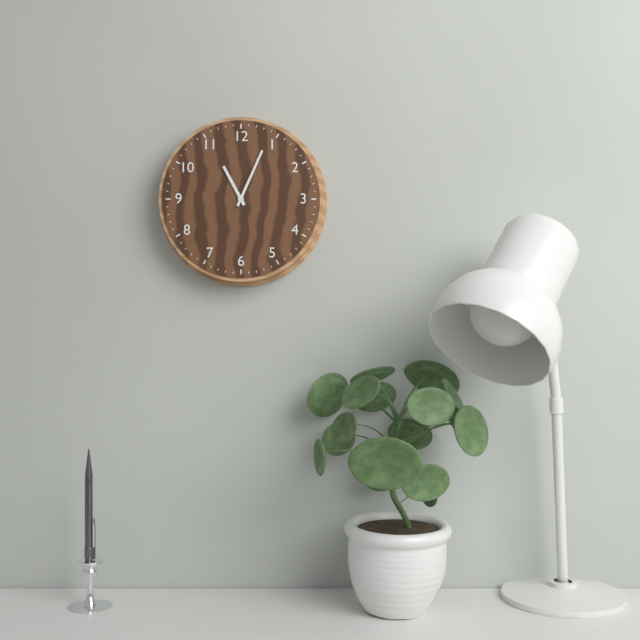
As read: h=11 m=4
